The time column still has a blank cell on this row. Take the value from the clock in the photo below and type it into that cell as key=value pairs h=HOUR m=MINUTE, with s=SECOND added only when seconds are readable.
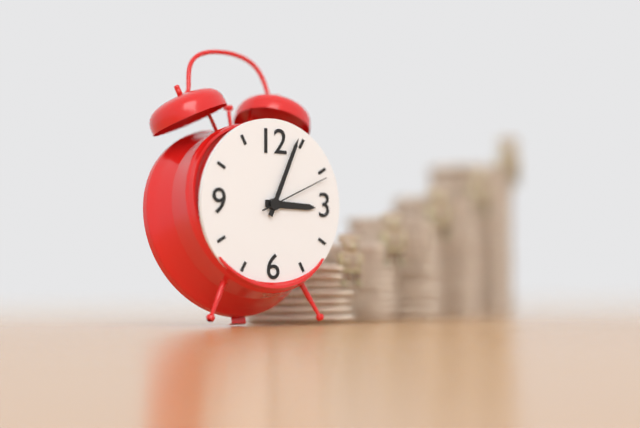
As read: h=3 m=4 s=11
